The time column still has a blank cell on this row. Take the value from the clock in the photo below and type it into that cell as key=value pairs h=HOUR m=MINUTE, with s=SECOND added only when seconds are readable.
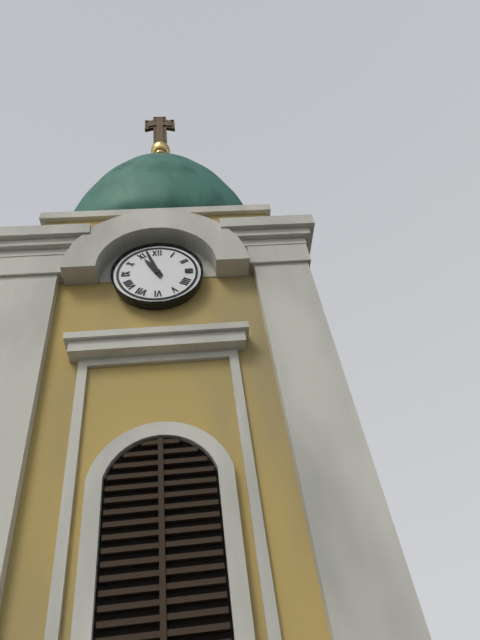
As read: h=10 m=57
